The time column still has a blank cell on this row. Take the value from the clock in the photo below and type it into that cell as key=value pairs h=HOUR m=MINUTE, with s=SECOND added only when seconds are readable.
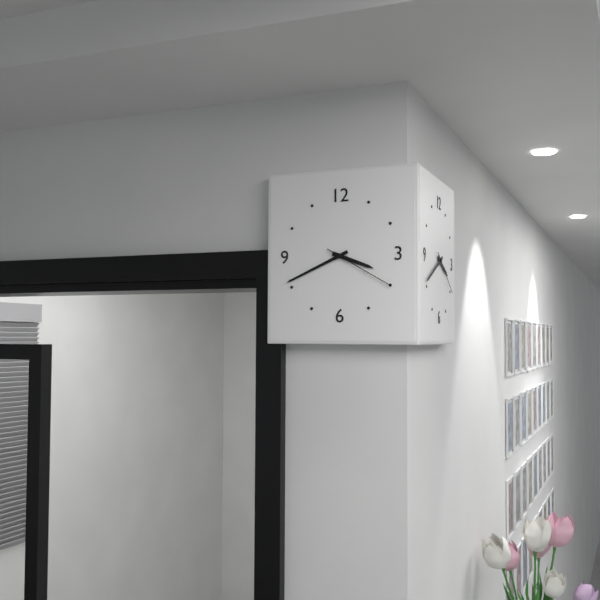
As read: h=3 m=41 s=20
